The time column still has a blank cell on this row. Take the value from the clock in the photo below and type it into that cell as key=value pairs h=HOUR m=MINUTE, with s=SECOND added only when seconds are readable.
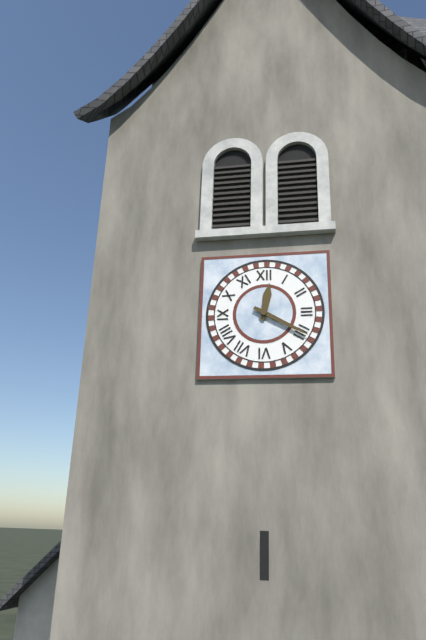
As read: h=12 m=20
